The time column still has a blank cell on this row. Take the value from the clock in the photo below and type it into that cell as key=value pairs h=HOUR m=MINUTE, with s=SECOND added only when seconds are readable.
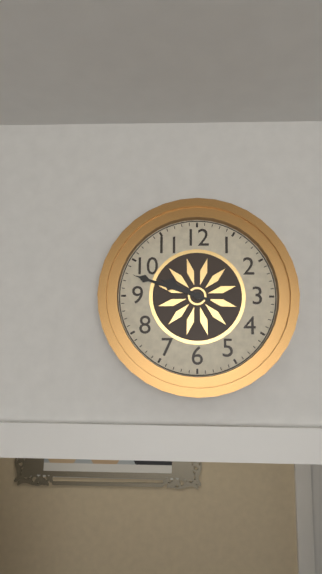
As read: h=9 m=48
